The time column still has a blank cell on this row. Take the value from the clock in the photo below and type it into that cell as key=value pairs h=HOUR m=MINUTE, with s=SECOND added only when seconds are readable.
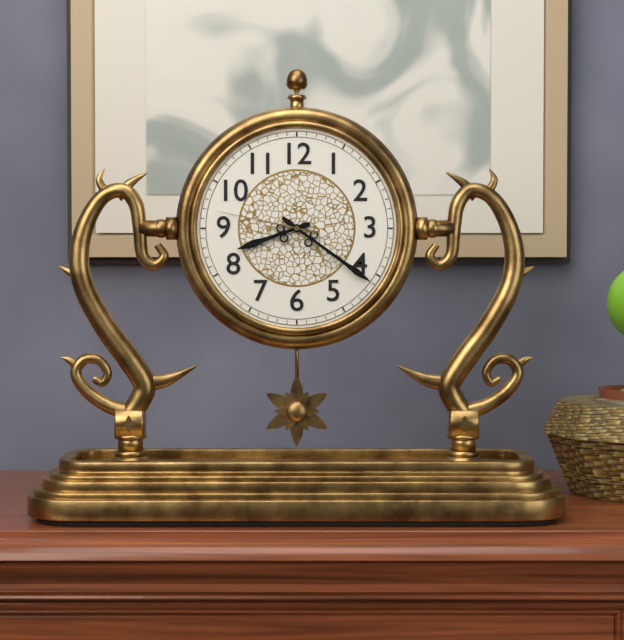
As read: h=8 m=21 s=47
